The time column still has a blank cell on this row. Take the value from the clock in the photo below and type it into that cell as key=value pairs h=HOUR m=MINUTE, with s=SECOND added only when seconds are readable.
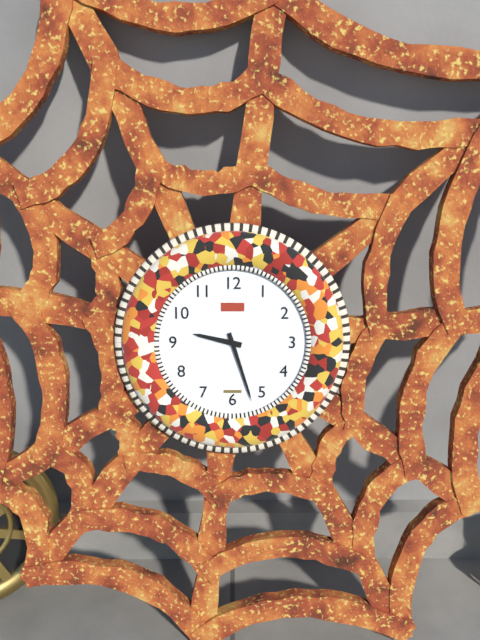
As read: h=9 m=27
